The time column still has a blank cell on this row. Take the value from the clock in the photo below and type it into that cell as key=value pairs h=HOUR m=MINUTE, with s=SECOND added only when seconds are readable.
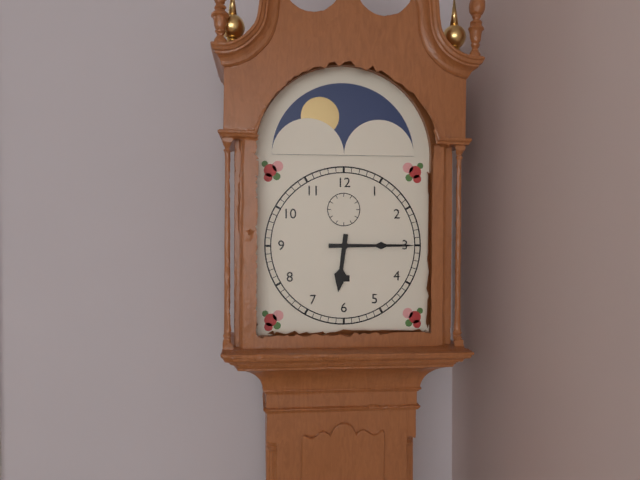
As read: h=6 m=15
